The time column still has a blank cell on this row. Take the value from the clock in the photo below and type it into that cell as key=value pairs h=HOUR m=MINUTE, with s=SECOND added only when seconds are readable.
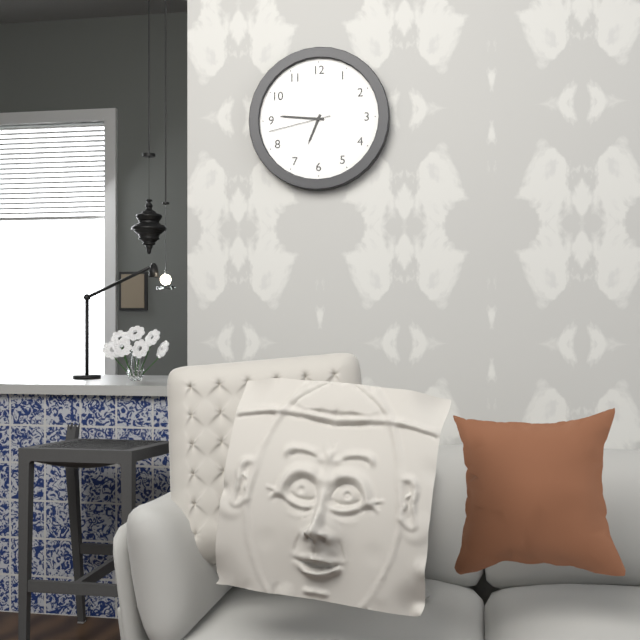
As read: h=6 m=46 s=43
